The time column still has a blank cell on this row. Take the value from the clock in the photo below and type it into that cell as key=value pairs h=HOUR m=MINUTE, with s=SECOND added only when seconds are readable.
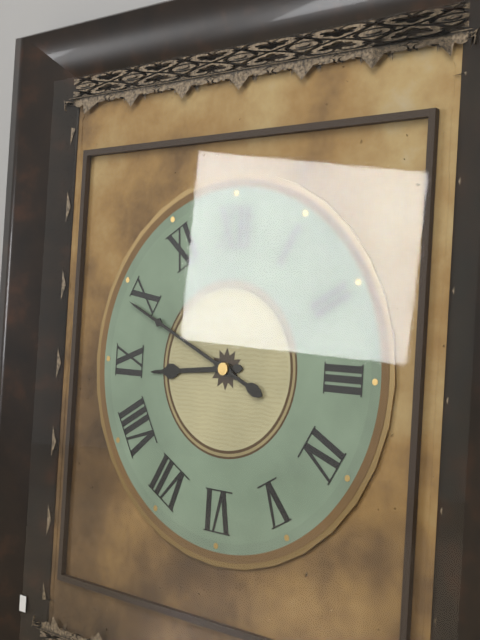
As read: h=8 m=49
